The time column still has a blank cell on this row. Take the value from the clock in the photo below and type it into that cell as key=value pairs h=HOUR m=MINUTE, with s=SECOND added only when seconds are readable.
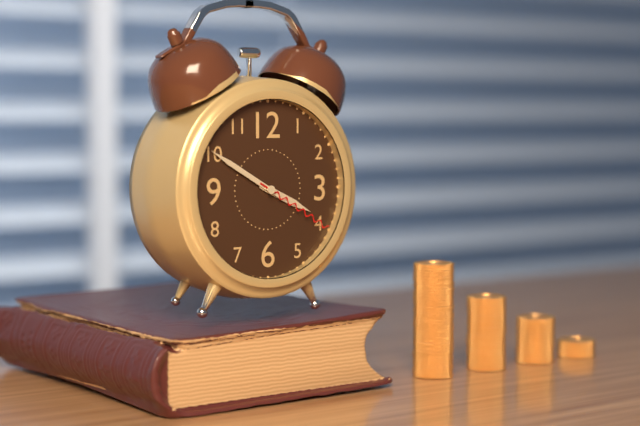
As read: h=3 m=50 s=20
